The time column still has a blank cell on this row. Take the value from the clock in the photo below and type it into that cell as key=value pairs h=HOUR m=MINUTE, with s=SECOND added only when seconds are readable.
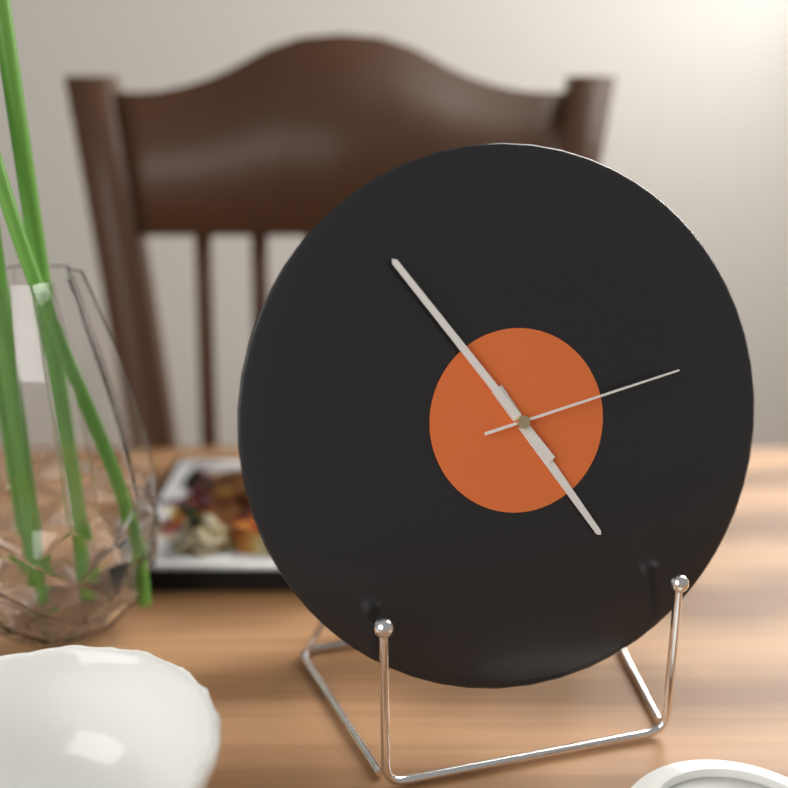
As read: h=4 m=54 s=13
